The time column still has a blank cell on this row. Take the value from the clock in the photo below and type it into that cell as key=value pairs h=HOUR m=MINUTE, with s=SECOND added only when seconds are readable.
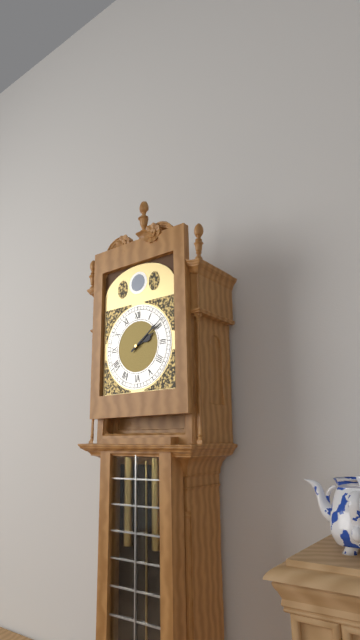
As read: h=2 m=9
